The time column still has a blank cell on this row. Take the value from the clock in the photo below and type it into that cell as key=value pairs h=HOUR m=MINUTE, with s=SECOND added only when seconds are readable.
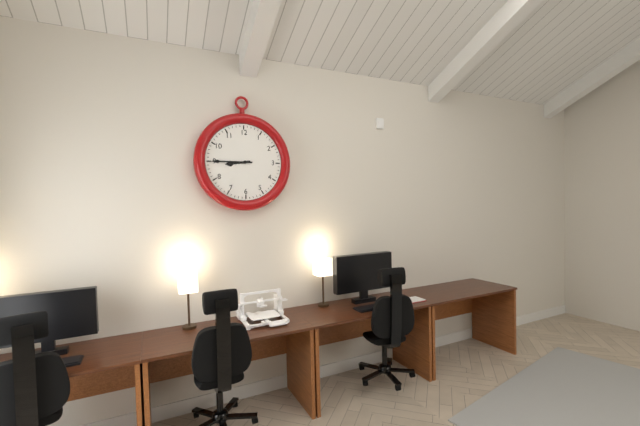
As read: h=8 m=45
